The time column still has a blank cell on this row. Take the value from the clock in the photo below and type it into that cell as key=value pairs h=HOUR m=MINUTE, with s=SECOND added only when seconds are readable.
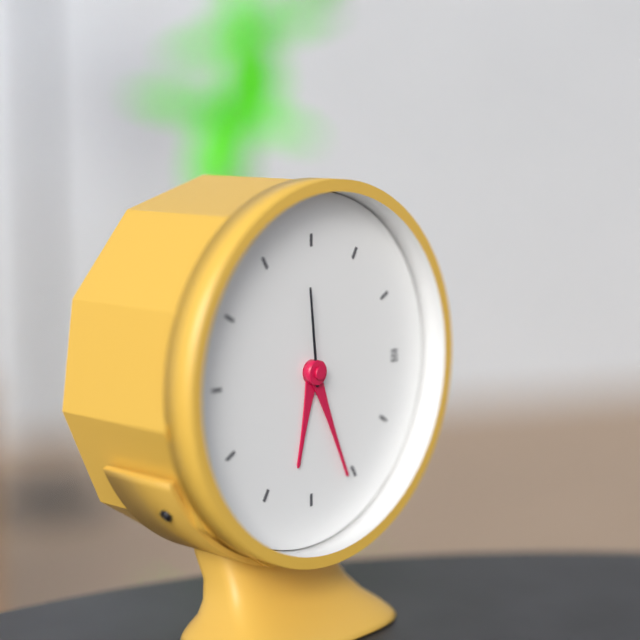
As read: h=6 m=26 s=59
